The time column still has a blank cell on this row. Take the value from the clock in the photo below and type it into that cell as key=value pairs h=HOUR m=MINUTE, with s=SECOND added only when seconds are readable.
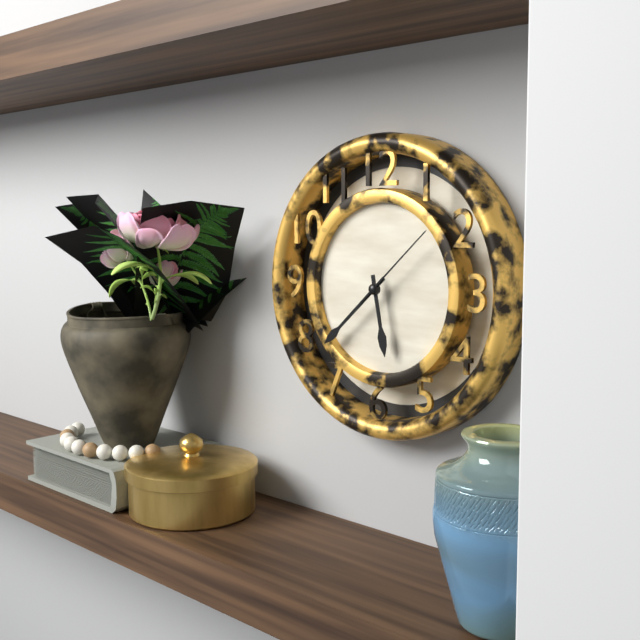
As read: h=5 m=38 s=8
